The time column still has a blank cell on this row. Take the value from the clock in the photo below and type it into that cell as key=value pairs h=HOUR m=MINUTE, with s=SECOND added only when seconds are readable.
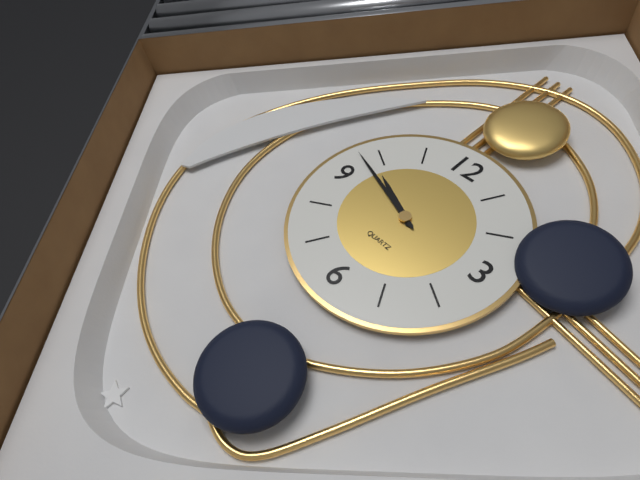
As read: h=9 m=48
